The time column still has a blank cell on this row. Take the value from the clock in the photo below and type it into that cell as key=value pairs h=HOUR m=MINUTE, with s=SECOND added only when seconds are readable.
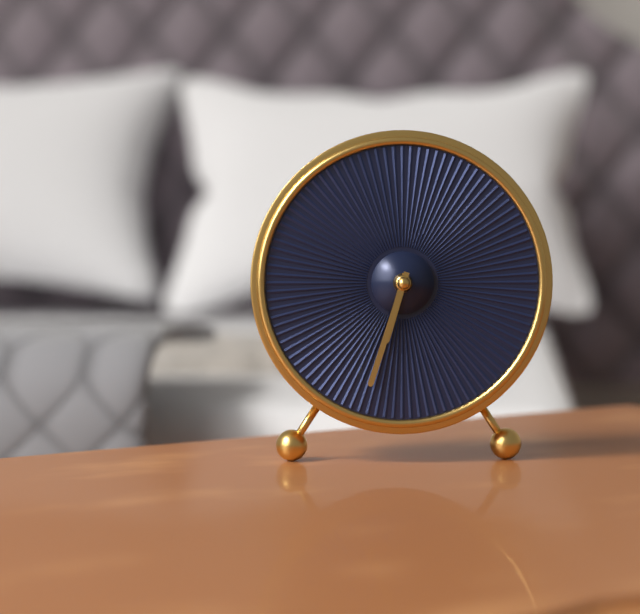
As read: h=6 m=33
